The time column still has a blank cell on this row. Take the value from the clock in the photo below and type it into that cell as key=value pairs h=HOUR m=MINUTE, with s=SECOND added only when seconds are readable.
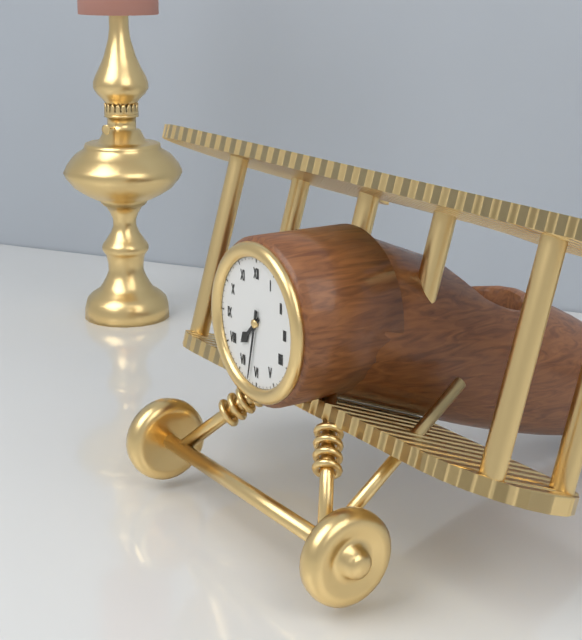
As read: h=7 m=32
